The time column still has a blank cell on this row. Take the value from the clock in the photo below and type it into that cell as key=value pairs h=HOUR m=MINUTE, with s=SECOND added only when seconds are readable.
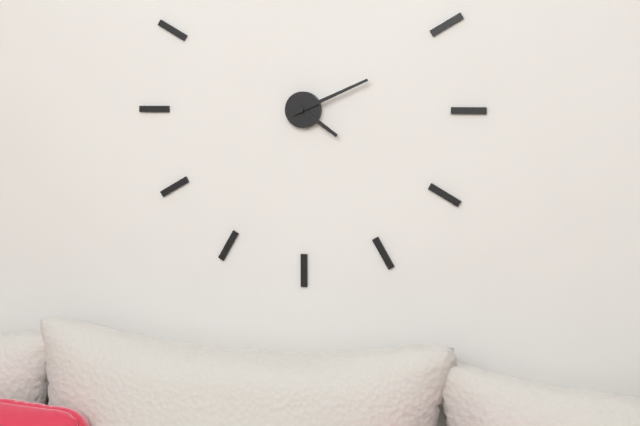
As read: h=4 m=11
